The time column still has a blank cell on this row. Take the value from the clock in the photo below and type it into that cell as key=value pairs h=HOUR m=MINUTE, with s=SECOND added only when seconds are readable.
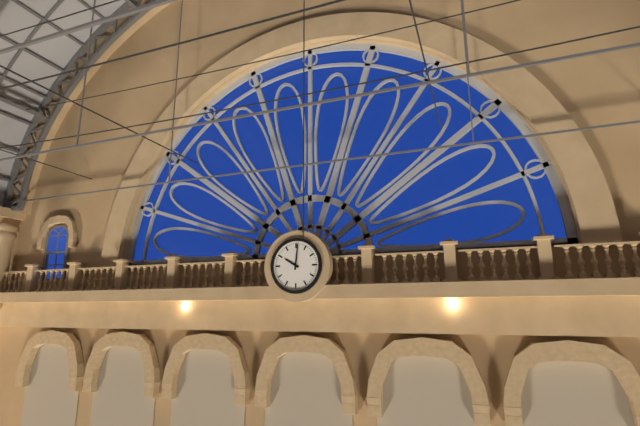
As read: h=10 m=1
